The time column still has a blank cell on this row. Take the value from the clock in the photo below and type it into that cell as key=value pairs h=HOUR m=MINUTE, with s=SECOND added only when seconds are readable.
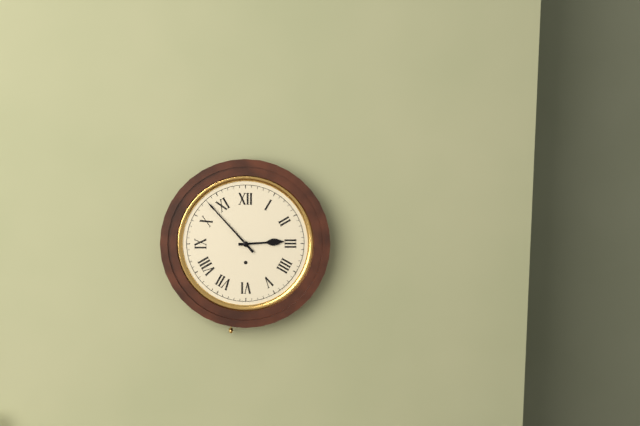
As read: h=2 m=53
